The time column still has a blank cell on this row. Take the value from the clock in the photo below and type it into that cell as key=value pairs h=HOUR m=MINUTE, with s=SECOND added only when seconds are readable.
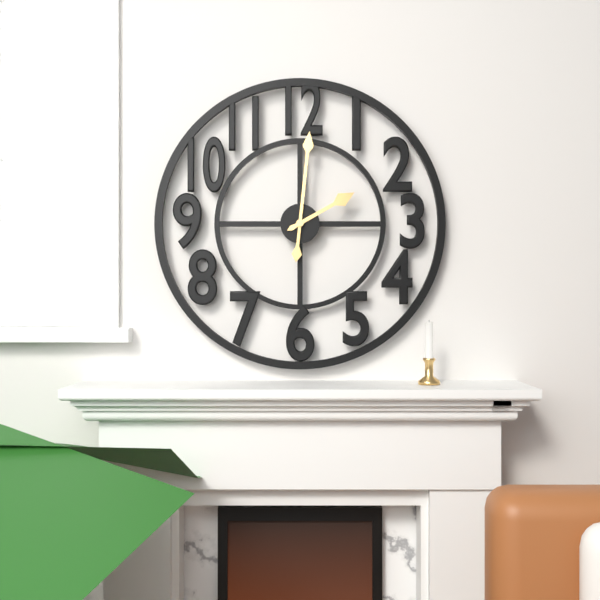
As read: h=2 m=1
